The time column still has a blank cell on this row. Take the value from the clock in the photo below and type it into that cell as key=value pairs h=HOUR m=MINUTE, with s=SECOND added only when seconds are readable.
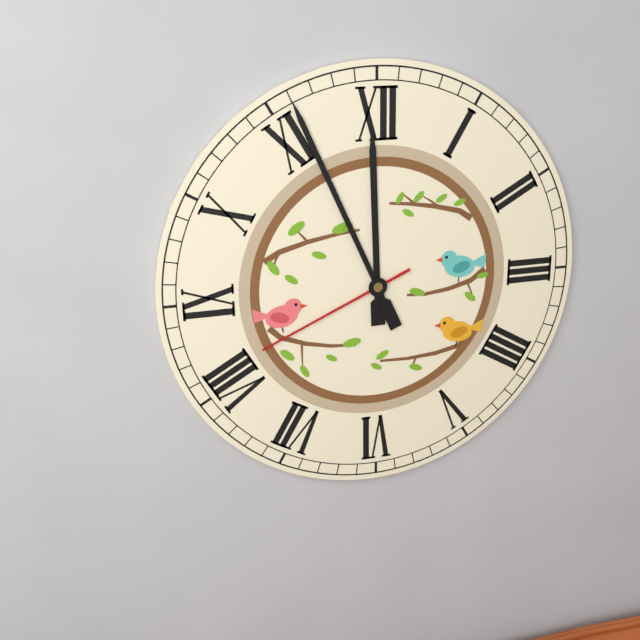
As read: h=11 m=56 s=41
